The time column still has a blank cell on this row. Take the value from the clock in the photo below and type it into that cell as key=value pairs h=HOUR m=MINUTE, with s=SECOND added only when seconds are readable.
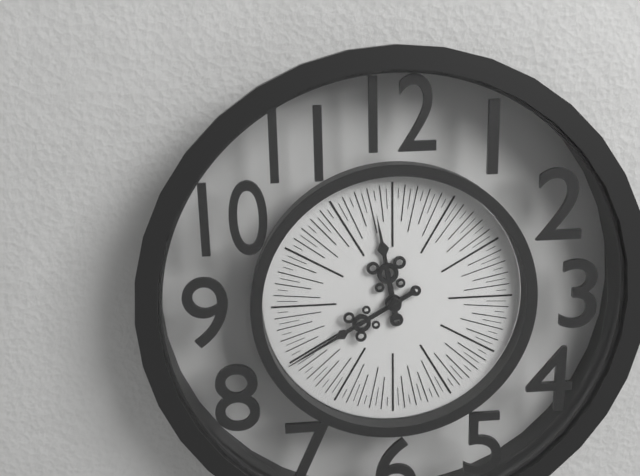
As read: h=11 m=40
